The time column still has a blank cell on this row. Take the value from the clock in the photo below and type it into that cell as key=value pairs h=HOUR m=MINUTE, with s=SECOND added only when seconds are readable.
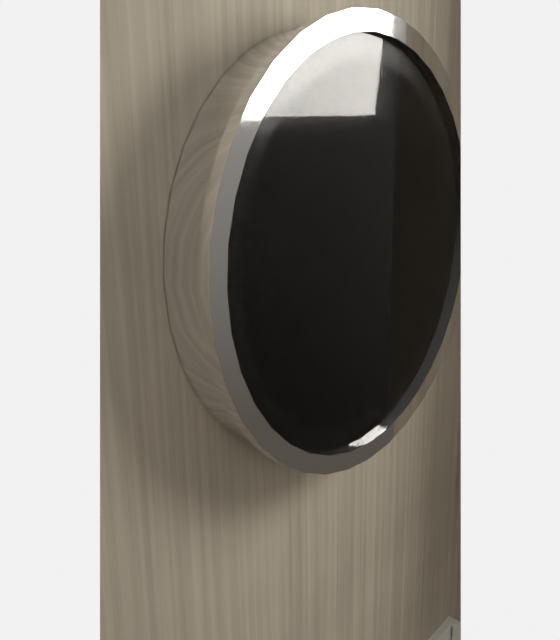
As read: h=7 m=1
